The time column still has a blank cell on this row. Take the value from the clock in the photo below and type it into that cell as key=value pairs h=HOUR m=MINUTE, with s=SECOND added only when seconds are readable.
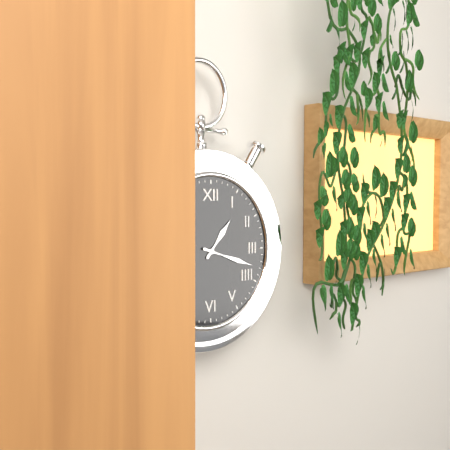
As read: h=1 m=18
